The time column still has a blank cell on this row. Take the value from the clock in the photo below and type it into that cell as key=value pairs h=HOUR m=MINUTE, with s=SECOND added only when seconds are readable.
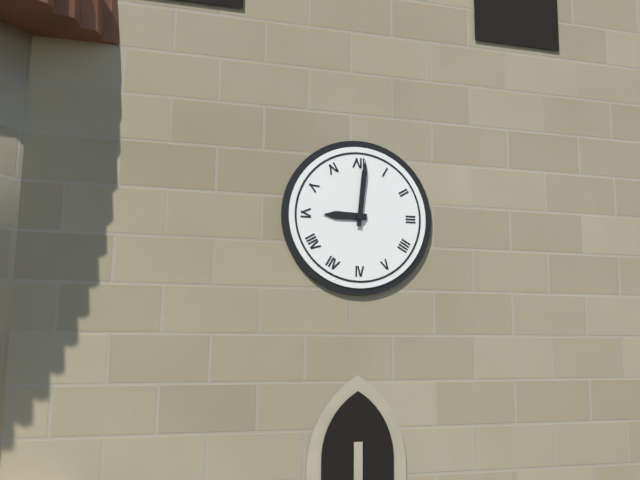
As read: h=9 m=1
